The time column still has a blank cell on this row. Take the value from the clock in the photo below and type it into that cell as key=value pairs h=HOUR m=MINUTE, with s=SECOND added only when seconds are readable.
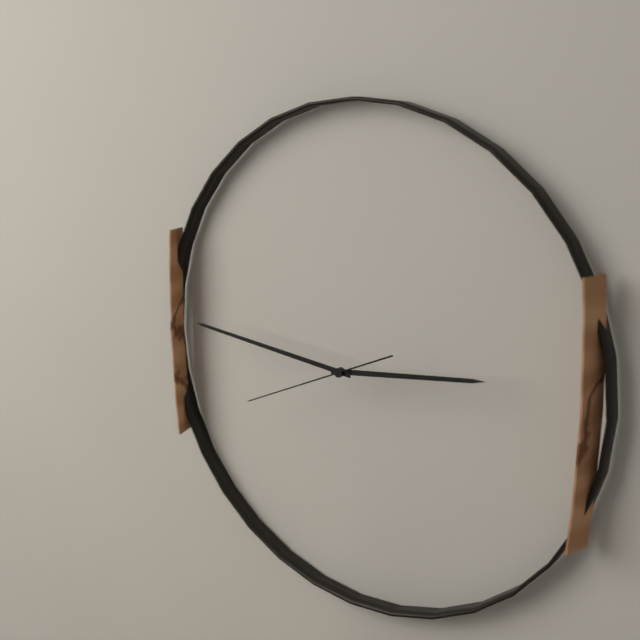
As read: h=2 m=46 s=41
